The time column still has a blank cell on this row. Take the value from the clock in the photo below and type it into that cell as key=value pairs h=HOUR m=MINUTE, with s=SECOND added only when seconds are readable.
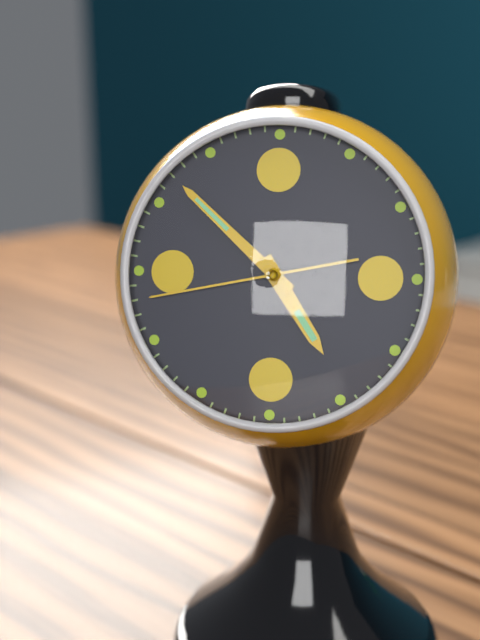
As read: h=4 m=52 s=43
